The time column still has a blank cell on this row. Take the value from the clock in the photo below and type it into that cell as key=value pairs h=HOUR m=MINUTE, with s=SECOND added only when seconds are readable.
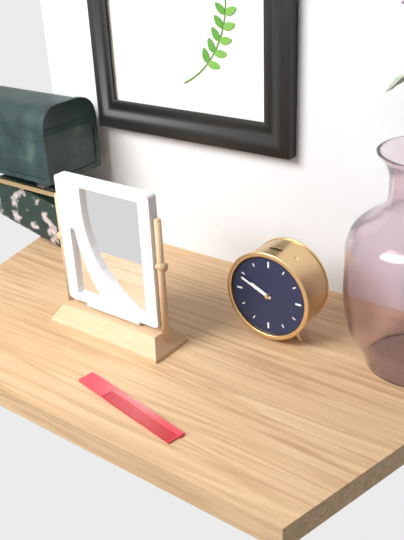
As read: h=9 m=49
